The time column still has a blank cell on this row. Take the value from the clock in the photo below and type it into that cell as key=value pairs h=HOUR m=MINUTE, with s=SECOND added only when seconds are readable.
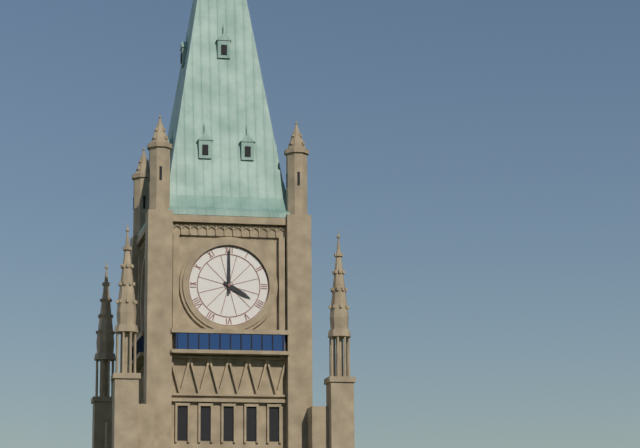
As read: h=4 m=0
